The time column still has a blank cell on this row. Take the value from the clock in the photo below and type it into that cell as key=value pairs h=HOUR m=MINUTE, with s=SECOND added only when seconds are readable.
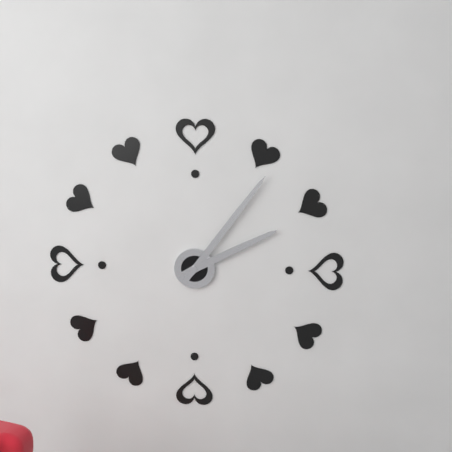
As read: h=2 m=6
